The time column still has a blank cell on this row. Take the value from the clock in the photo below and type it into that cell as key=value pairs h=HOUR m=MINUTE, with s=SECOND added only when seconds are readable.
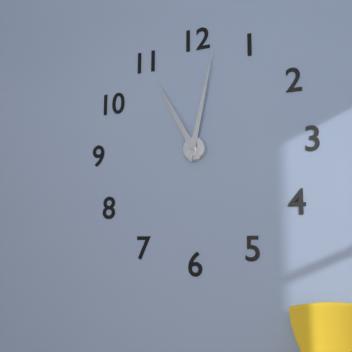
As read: h=11 m=2
